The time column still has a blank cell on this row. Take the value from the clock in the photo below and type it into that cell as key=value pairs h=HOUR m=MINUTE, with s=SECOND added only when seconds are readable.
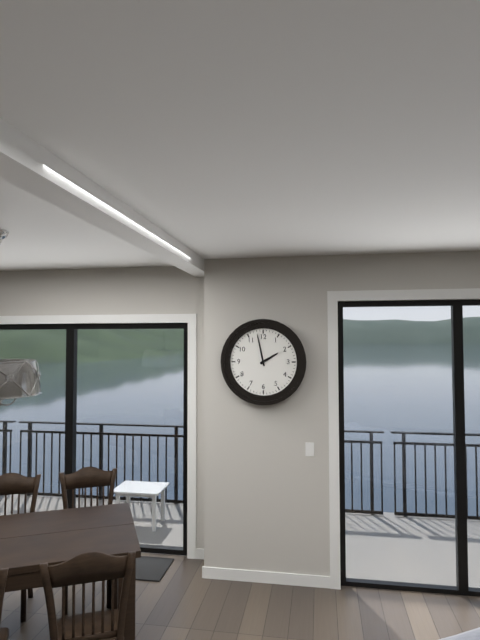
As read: h=1 m=58
